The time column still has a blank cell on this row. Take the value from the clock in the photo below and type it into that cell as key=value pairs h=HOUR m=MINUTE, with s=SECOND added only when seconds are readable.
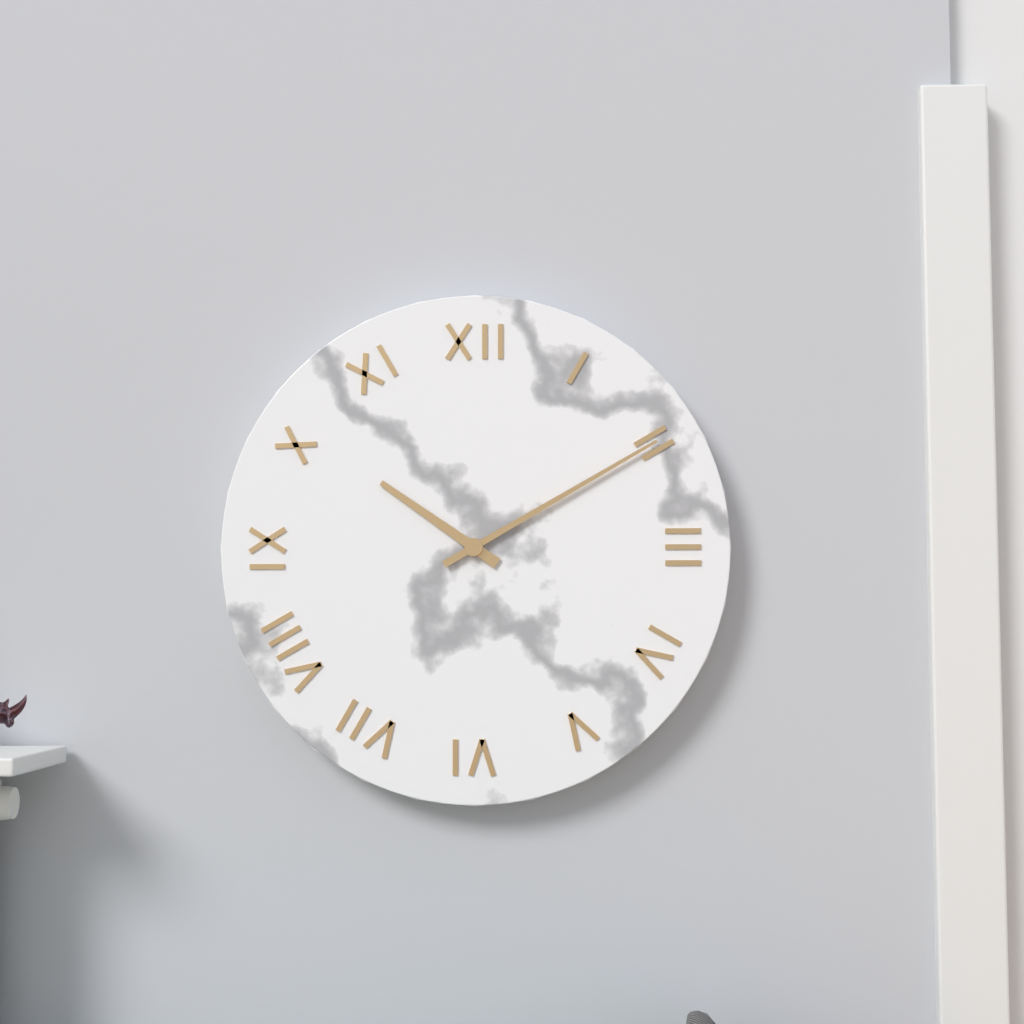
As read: h=10 m=10
